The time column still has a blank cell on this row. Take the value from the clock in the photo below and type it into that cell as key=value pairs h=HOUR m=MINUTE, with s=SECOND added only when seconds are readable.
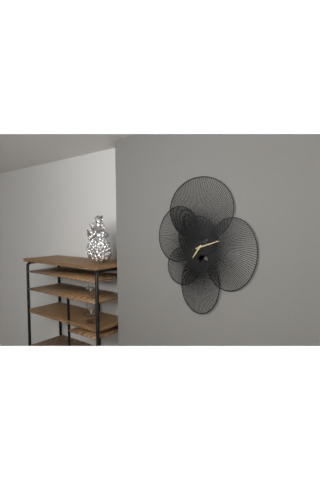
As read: h=7 m=12
